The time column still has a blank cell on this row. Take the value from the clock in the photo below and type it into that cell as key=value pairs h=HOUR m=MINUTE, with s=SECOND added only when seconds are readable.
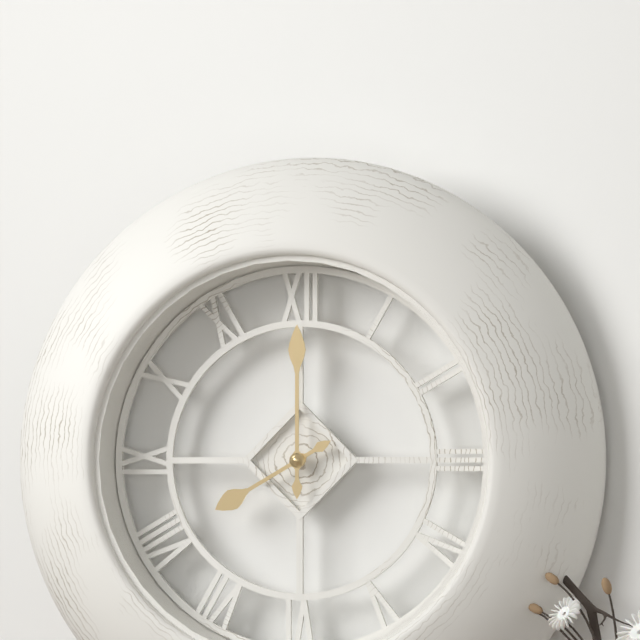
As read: h=8 m=0
